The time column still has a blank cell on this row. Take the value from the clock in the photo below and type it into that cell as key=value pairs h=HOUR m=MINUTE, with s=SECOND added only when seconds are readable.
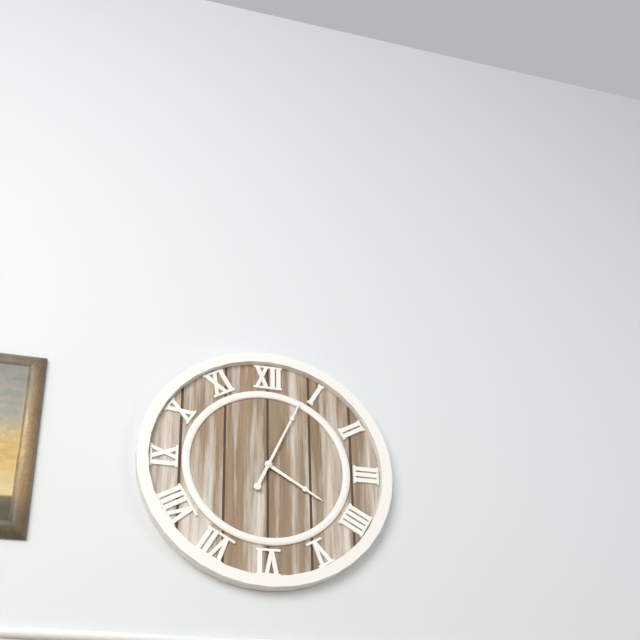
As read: h=4 m=4
